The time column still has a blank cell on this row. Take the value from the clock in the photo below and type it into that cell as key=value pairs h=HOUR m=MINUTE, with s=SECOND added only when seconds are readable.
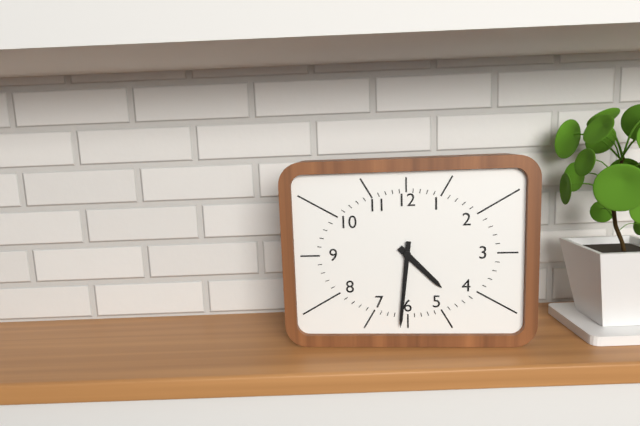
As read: h=4 m=31
